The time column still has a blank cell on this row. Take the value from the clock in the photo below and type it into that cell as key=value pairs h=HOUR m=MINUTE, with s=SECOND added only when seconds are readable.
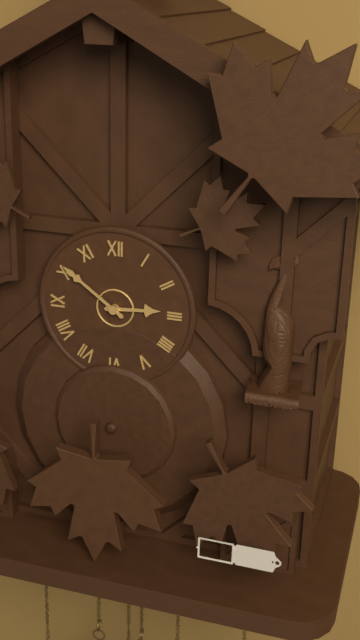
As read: h=2 m=51
